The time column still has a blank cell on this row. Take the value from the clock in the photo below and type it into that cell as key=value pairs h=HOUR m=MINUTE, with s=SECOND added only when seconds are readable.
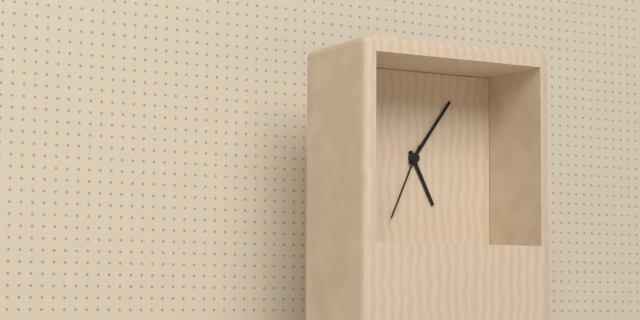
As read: h=5 m=6 s=34
